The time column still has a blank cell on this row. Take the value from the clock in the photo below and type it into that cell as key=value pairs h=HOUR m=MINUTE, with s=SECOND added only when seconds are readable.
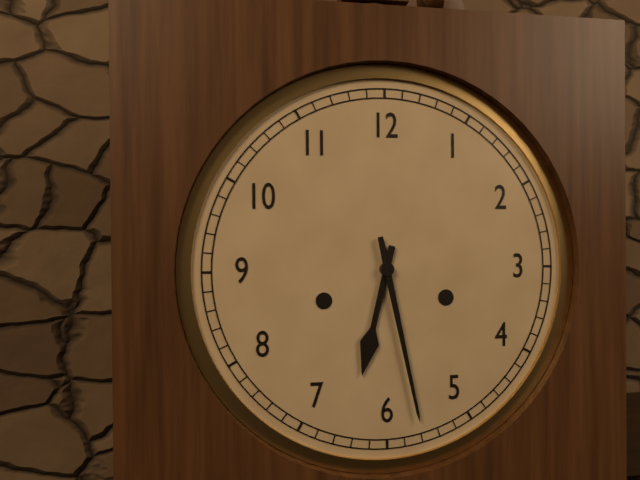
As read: h=6 m=28
